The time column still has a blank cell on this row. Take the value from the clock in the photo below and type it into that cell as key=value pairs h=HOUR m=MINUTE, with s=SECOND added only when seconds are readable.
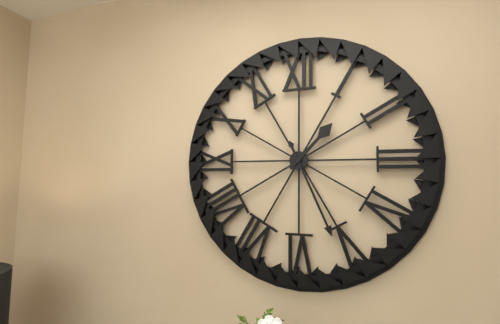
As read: h=1 m=26
